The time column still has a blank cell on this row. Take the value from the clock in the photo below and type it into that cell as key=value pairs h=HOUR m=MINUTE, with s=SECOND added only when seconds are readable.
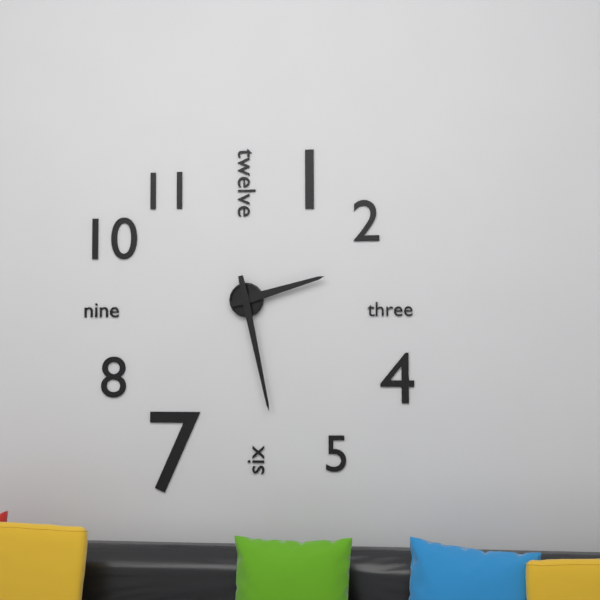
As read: h=2 m=28
